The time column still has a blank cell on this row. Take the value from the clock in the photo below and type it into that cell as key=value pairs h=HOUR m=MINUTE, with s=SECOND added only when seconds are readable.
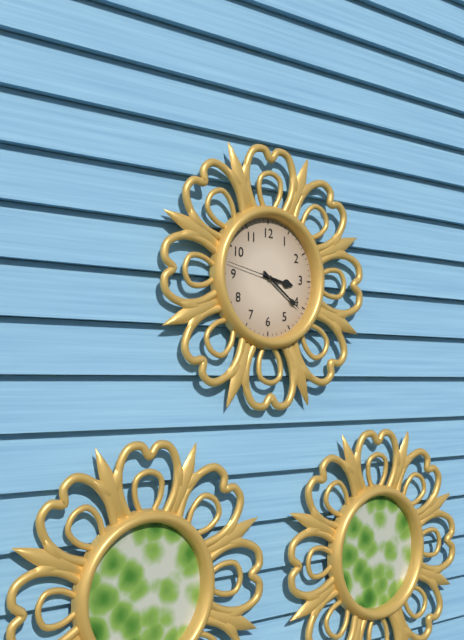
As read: h=3 m=21 s=47
